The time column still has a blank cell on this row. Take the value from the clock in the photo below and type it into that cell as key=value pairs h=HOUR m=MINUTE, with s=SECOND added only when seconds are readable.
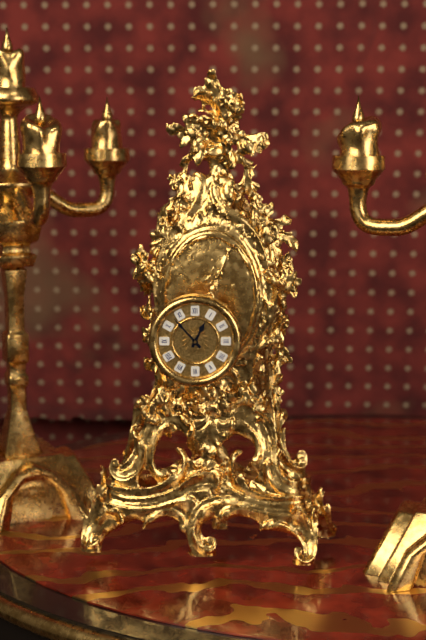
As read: h=12 m=53
